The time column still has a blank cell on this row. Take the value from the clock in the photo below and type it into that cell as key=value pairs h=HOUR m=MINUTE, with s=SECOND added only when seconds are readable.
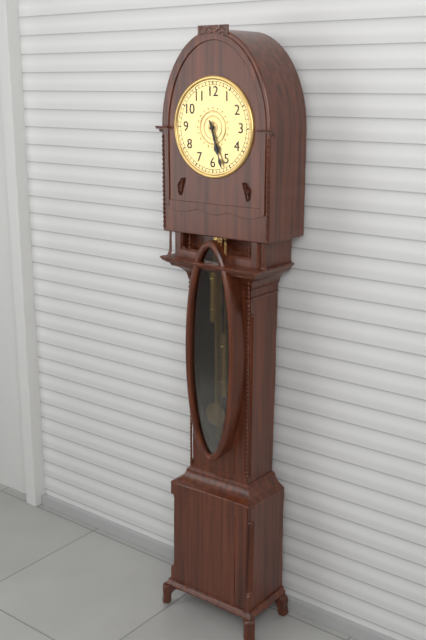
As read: h=5 m=27
